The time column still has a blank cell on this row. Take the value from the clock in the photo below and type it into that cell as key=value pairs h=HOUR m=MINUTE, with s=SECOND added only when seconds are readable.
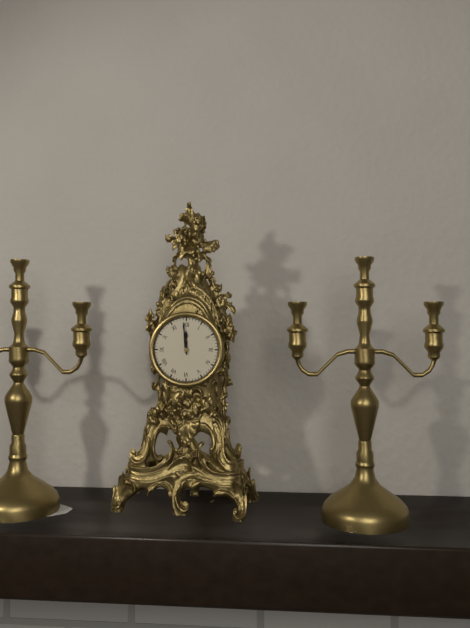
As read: h=11 m=59
